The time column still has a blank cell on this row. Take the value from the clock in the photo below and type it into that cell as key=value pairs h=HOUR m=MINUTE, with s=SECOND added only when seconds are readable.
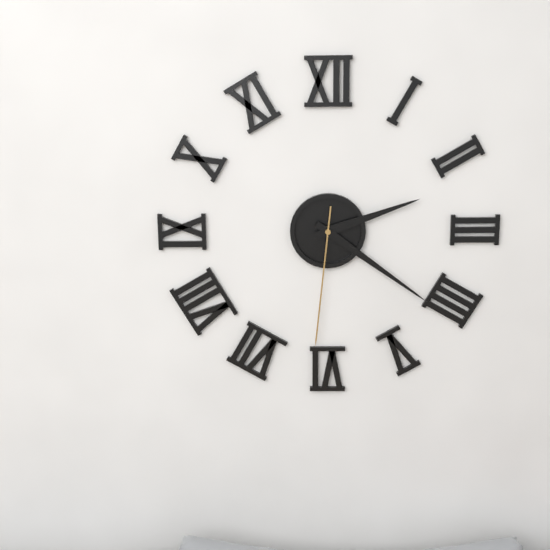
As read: h=2 m=21 s=31
